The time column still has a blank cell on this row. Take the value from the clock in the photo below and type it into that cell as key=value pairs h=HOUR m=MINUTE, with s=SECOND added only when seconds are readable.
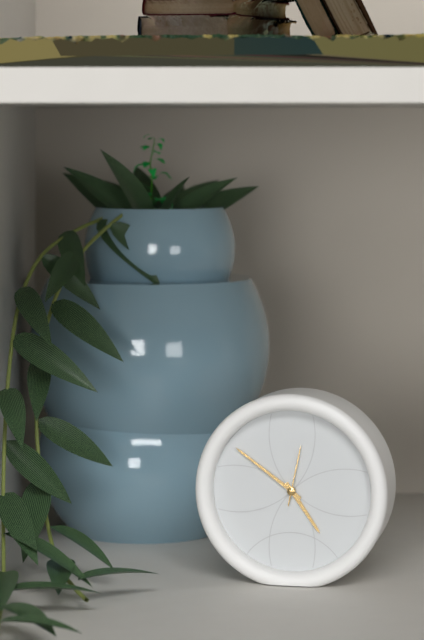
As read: h=4 m=51 s=2
